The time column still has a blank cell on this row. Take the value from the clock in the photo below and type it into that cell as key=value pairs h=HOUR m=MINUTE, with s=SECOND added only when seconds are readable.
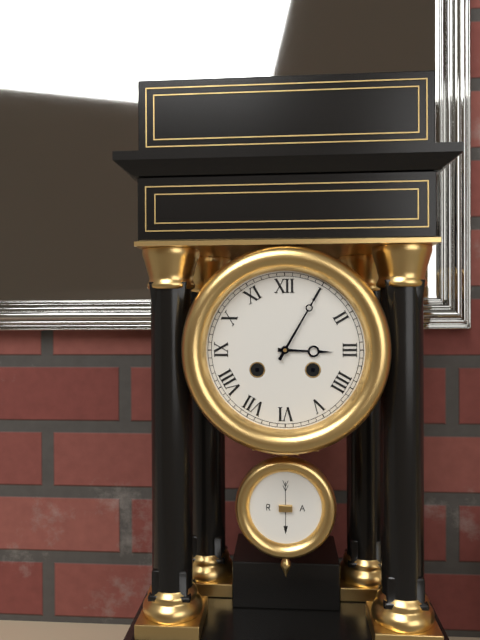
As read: h=3 m=5
